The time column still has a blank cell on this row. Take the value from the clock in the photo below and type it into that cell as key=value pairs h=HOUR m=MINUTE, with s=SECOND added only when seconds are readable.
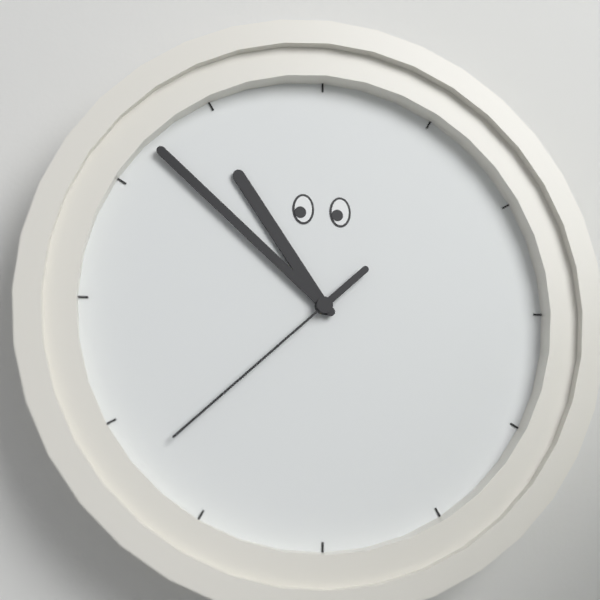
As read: h=10 m=52 s=38
